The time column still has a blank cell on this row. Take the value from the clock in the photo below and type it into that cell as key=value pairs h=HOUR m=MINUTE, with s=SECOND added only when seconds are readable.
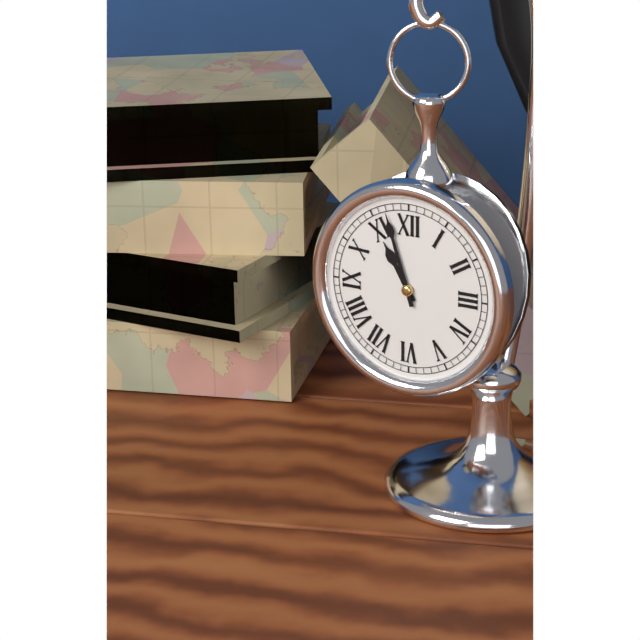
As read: h=10 m=57
